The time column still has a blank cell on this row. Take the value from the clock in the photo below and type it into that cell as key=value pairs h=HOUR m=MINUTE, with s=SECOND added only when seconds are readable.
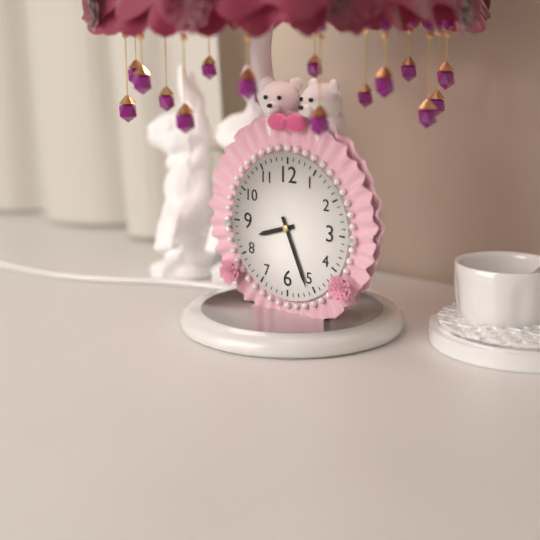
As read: h=8 m=26
